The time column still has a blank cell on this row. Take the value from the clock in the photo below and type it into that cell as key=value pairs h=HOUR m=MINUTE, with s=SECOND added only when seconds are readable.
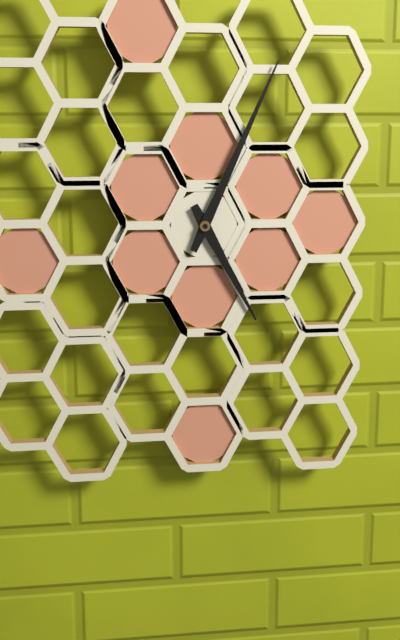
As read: h=5 m=4
